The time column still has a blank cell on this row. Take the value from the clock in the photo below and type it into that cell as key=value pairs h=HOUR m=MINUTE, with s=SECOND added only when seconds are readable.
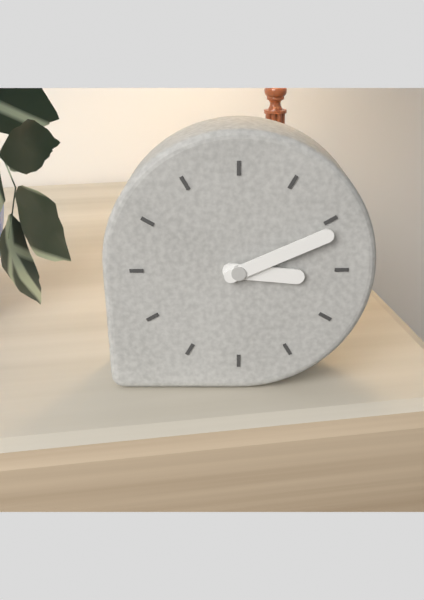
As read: h=3 m=11
